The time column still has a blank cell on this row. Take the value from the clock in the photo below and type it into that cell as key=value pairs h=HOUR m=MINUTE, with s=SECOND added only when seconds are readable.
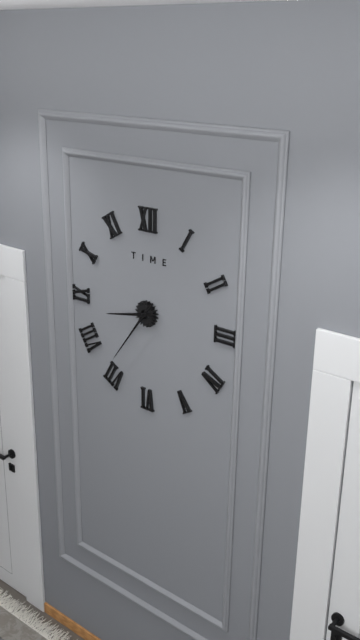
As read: h=8 m=36
